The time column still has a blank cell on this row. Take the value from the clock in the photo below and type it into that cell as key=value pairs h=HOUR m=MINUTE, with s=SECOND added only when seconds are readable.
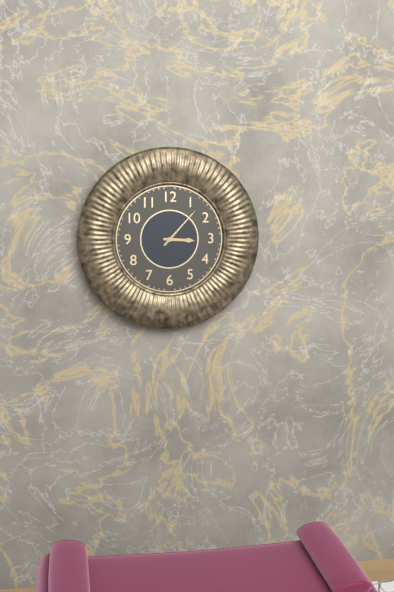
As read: h=3 m=7
